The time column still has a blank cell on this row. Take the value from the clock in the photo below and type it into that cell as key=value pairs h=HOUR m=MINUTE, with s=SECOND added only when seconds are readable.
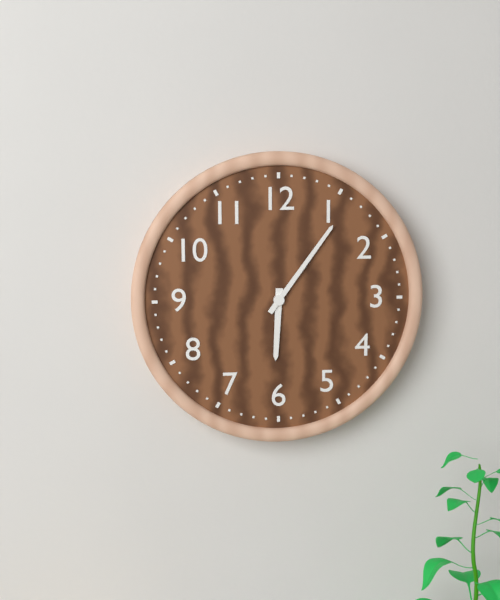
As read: h=6 m=6
